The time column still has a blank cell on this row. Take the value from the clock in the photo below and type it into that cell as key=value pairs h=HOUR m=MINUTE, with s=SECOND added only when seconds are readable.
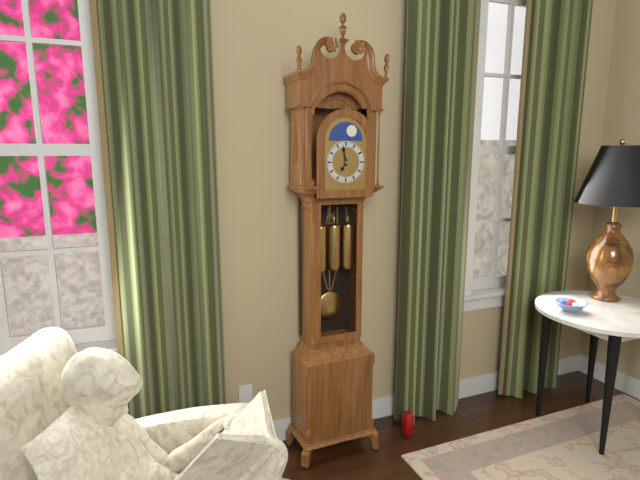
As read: h=6 m=58
